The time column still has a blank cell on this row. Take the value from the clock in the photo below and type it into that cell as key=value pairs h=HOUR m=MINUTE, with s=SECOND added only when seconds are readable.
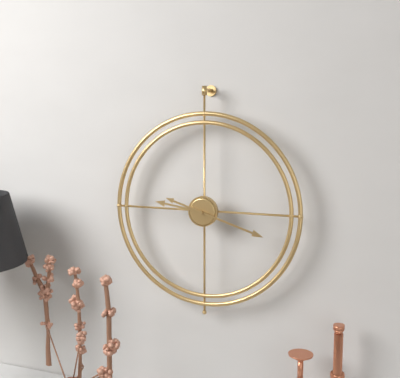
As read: h=9 m=18
